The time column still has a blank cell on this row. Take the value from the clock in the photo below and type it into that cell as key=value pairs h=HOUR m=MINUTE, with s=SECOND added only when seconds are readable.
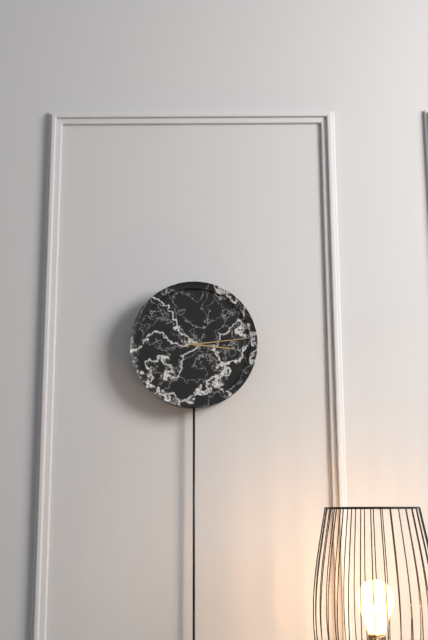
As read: h=3 m=14
